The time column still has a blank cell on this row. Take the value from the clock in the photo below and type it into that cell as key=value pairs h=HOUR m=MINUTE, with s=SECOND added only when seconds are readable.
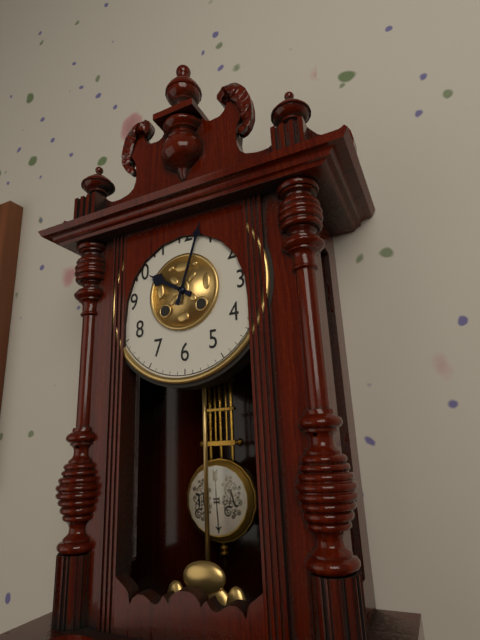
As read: h=10 m=3
